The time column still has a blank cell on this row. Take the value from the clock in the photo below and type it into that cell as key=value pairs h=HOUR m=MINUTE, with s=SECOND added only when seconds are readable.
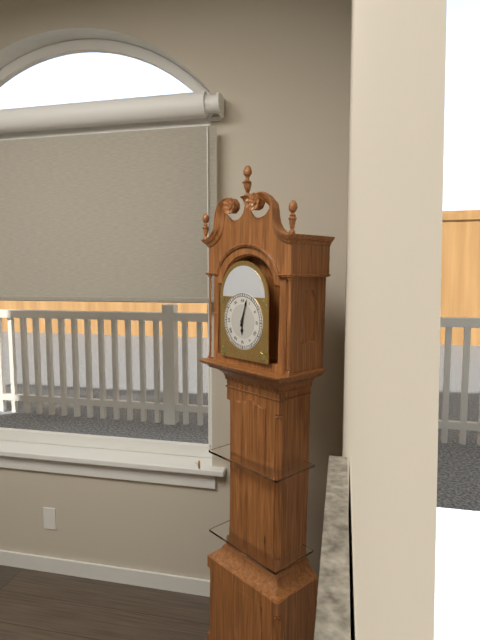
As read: h=6 m=3
